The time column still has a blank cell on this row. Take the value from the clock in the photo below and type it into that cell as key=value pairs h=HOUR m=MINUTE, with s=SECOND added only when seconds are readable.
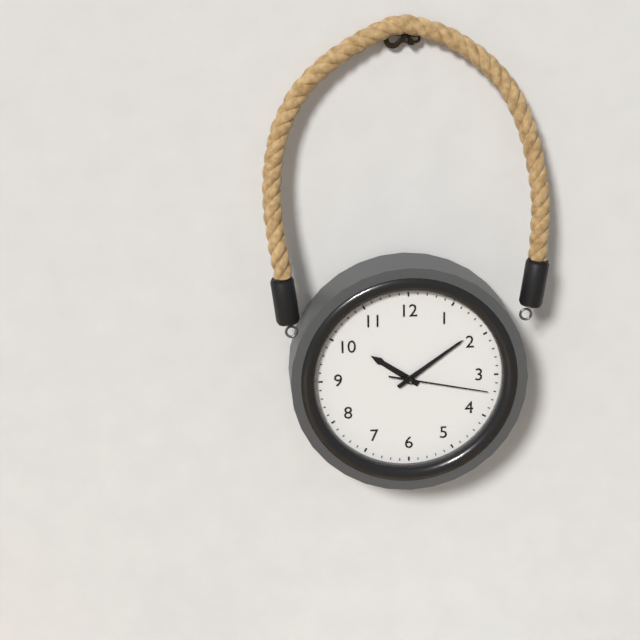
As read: h=10 m=9 s=17
